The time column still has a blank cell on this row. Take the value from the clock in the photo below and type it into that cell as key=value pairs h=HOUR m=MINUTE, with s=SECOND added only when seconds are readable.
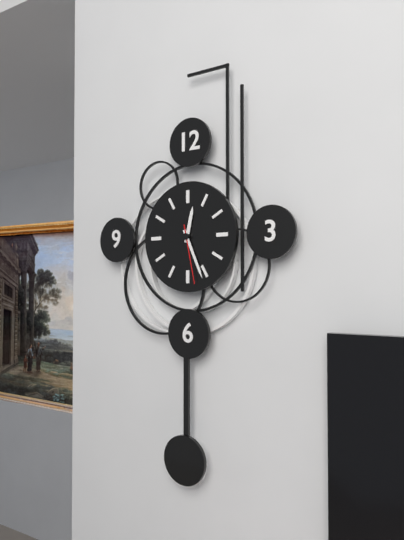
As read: h=12 m=26 s=28
